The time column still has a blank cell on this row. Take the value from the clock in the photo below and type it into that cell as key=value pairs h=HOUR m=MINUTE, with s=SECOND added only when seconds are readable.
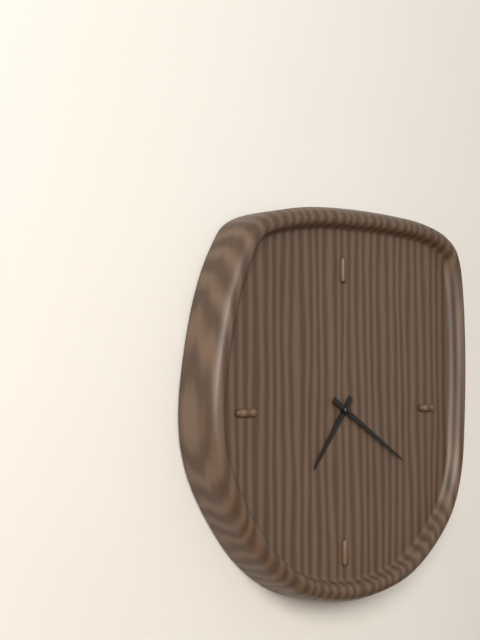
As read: h=7 m=20
